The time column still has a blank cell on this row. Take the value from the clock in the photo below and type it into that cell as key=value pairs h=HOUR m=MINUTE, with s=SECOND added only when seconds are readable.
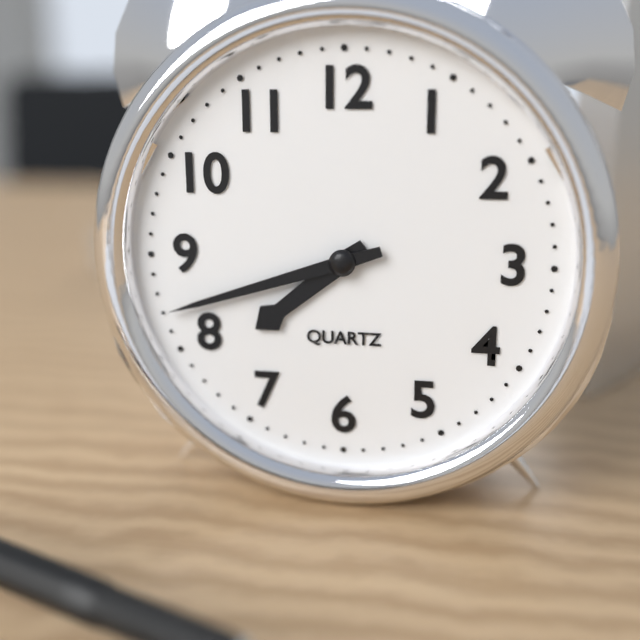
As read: h=7 m=42
